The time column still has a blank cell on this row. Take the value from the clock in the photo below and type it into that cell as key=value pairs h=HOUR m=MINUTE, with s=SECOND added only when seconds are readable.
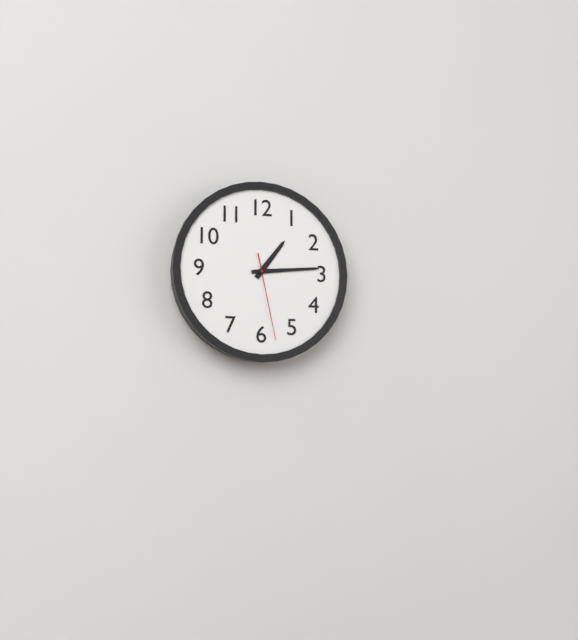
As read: h=1 m=14 s=28
